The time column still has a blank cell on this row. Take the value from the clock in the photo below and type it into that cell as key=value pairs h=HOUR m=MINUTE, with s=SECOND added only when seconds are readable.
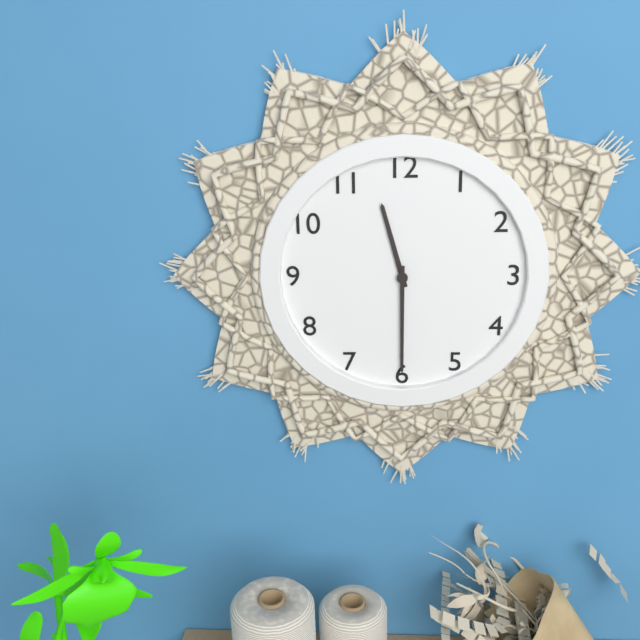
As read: h=11 m=30
